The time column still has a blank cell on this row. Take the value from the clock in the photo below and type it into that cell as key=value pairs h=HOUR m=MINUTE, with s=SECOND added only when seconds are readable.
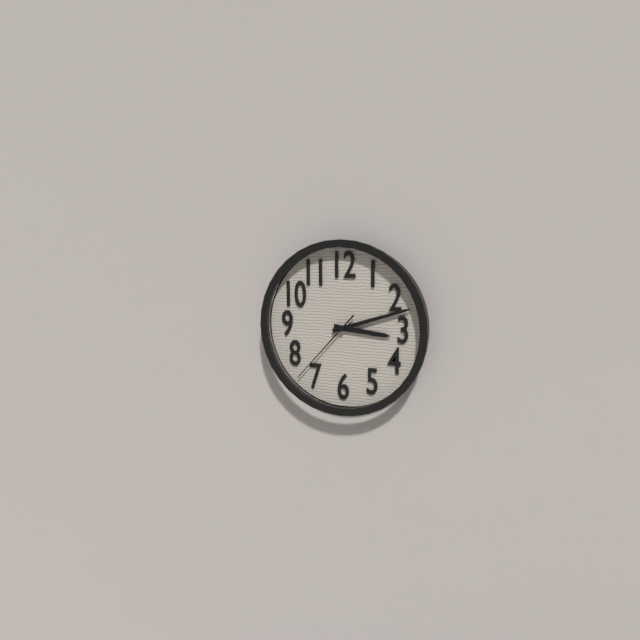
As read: h=3 m=12 s=37
